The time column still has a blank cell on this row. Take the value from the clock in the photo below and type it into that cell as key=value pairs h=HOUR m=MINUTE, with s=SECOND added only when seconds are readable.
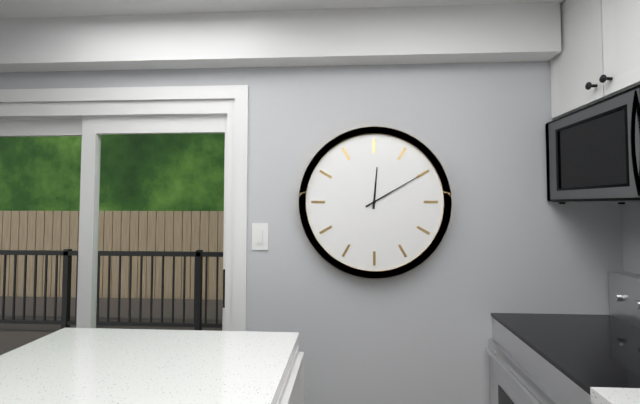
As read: h=12 m=10
